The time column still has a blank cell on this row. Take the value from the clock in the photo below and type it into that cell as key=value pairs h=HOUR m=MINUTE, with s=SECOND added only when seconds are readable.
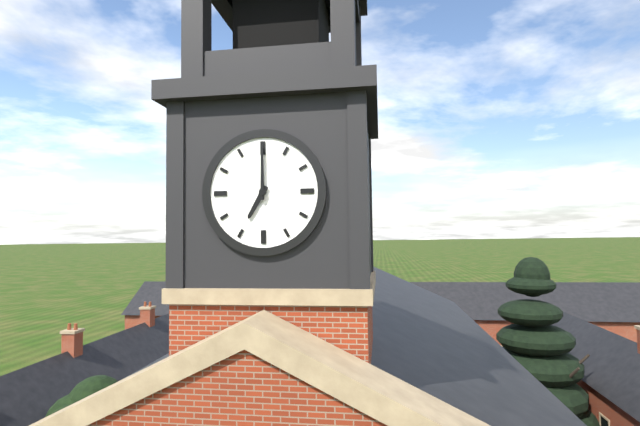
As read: h=7 m=0
